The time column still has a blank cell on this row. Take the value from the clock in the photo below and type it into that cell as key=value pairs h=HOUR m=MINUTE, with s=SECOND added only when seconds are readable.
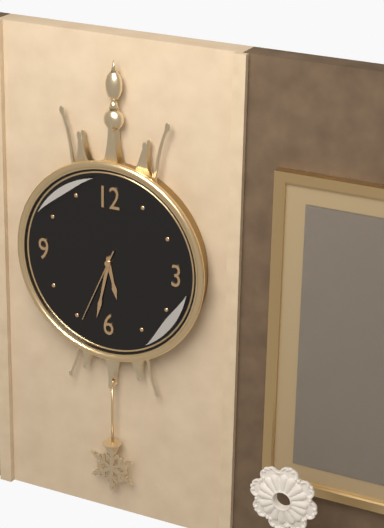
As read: h=5 m=32 s=34
